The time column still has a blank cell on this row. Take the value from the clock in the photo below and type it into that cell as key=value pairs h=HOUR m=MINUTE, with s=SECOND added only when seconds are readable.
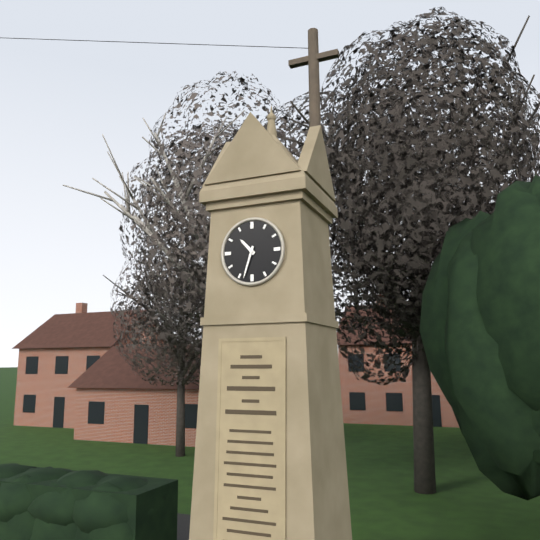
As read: h=10 m=33
